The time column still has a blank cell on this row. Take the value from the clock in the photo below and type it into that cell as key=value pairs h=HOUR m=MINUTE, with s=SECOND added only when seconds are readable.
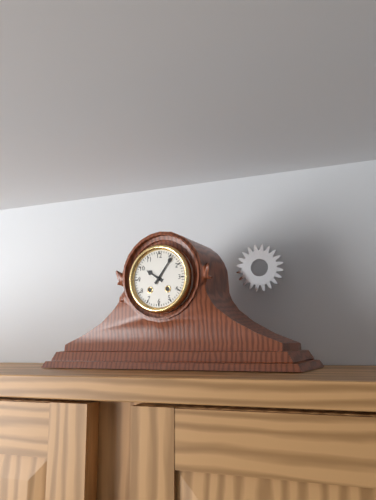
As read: h=10 m=6
